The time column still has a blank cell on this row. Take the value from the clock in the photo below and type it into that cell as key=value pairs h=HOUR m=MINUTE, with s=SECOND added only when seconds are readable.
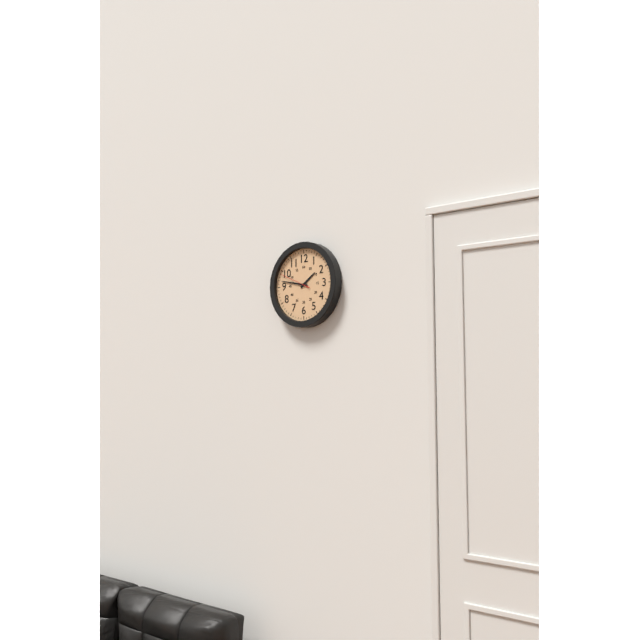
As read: h=1 m=47
